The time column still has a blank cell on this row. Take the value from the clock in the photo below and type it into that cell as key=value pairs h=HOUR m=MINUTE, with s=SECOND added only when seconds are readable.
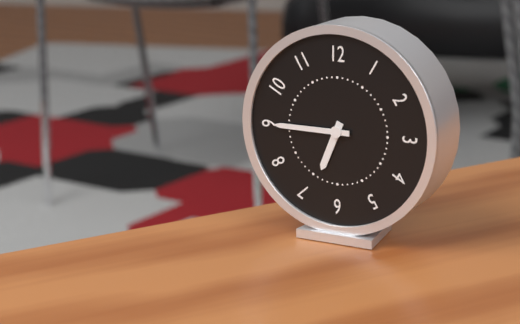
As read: h=6 m=45
